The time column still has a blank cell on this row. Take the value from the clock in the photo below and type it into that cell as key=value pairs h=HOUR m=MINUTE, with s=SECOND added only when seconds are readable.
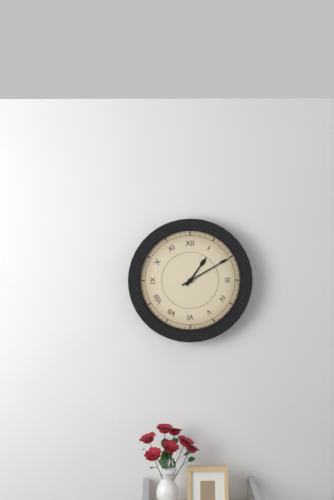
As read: h=1 m=10
